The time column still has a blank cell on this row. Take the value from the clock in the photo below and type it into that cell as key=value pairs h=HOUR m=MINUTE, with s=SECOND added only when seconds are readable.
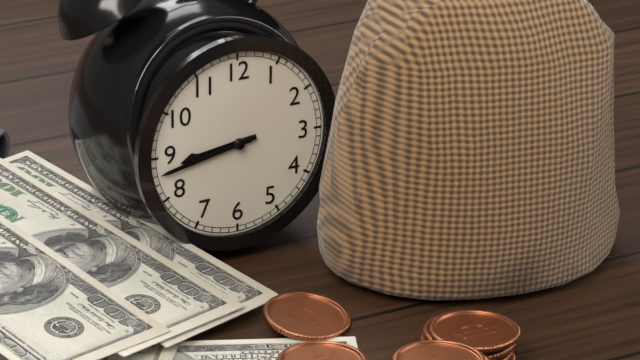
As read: h=8 m=43
